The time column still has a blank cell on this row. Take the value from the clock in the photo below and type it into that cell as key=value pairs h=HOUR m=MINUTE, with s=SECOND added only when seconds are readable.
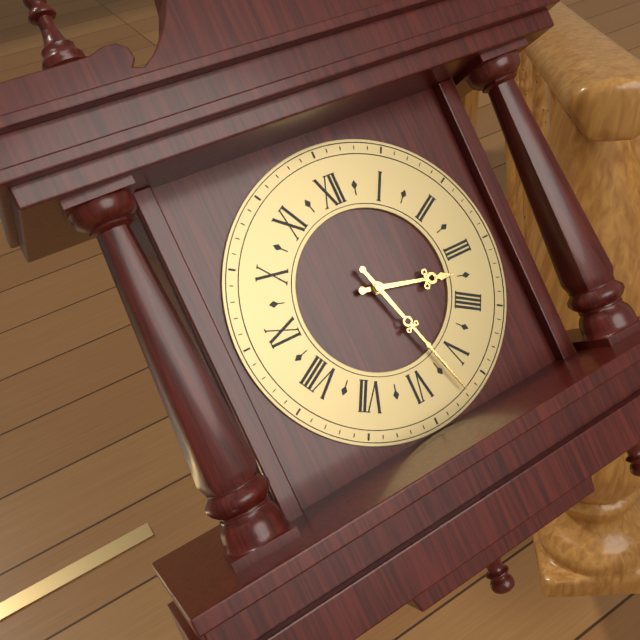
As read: h=3 m=27
